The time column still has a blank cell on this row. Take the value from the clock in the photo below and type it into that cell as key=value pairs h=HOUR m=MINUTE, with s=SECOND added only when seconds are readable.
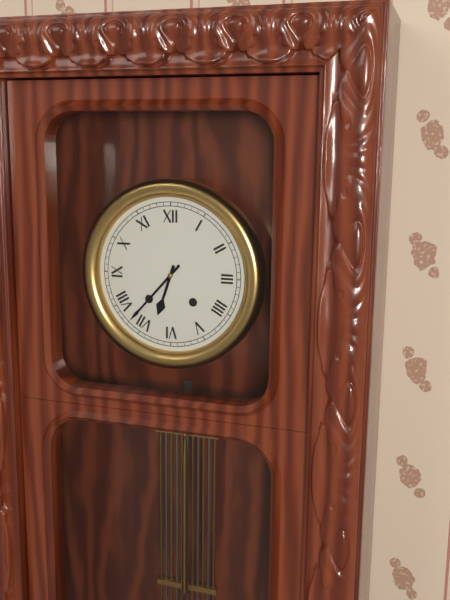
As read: h=6 m=37
